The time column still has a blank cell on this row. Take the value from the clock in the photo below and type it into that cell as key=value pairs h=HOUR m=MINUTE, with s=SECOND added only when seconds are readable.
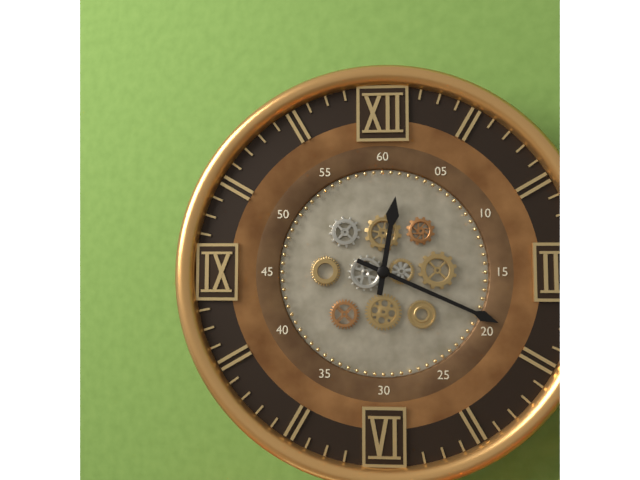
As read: h=12 m=19
